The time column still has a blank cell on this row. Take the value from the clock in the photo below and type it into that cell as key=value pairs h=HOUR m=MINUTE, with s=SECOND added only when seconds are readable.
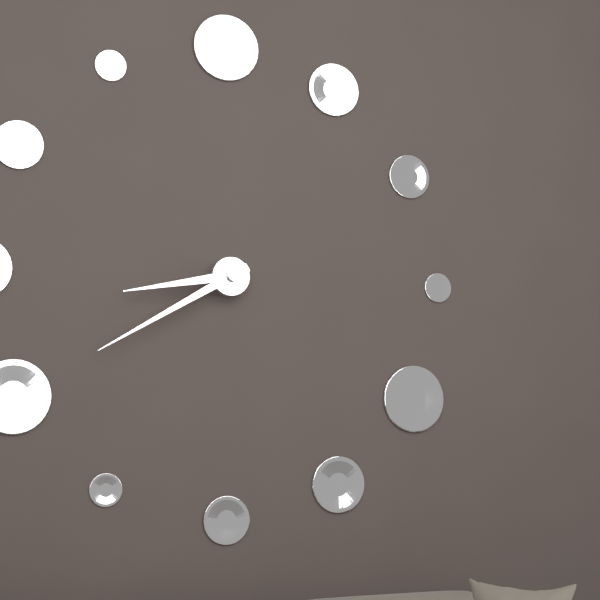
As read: h=8 m=40
